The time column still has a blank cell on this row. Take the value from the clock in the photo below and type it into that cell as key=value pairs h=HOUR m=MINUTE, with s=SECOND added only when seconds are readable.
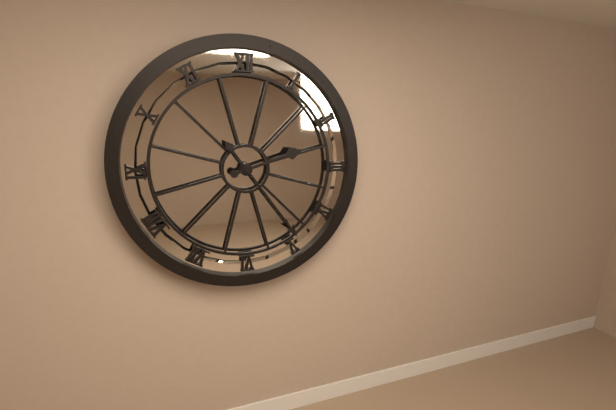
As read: h=2 m=24
